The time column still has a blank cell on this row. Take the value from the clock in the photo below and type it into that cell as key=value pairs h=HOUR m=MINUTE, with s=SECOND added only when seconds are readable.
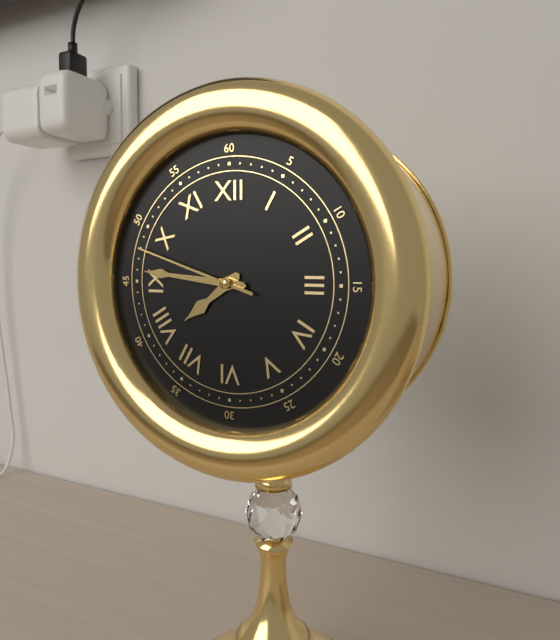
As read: h=7 m=46 s=48
